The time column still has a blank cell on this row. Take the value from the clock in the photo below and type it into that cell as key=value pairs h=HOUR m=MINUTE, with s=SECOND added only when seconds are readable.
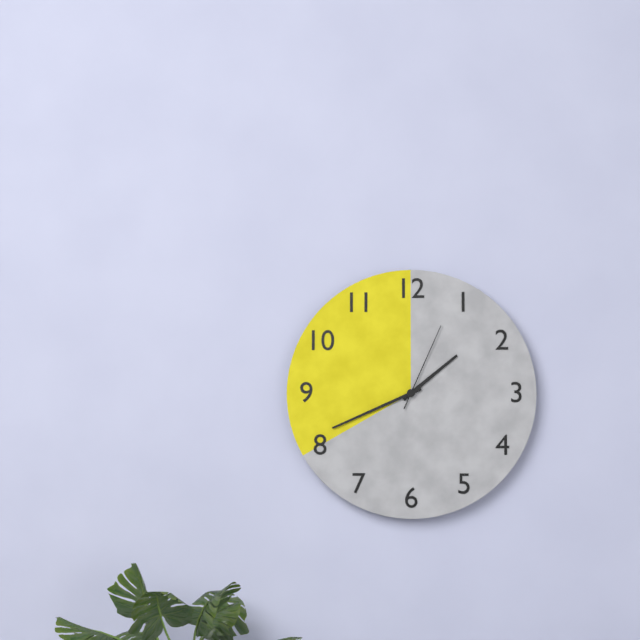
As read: h=1 m=41 s=4
